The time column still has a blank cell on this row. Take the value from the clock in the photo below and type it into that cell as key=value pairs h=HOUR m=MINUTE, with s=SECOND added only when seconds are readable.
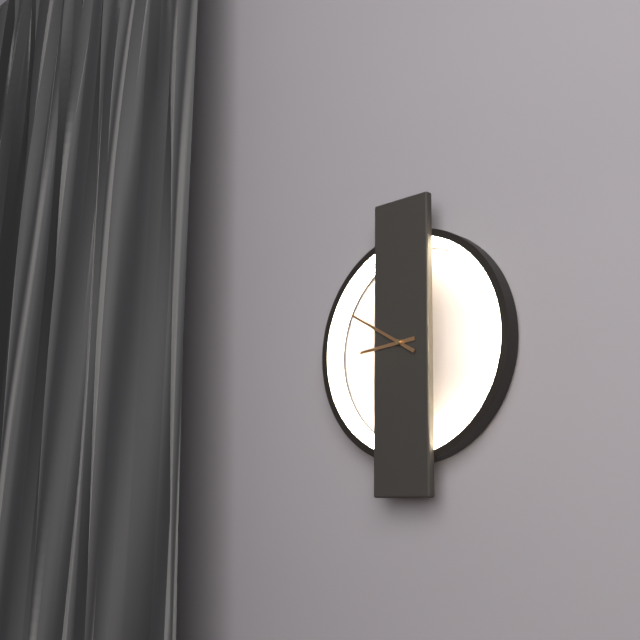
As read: h=8 m=50
